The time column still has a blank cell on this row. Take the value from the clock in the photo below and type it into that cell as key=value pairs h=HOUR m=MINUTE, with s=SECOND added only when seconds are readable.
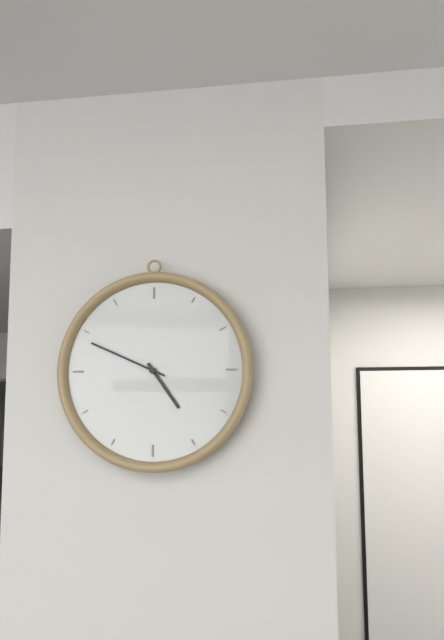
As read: h=4 m=49
